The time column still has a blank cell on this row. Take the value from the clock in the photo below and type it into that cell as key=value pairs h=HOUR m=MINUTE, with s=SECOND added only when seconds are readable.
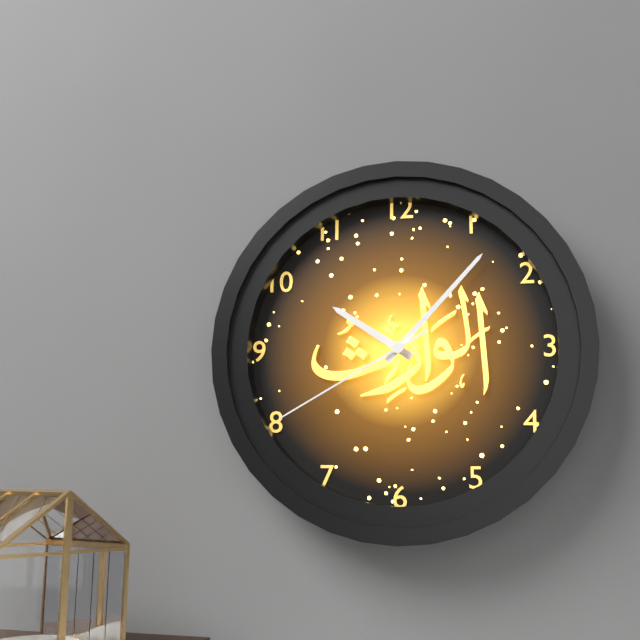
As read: h=10 m=7 s=40
